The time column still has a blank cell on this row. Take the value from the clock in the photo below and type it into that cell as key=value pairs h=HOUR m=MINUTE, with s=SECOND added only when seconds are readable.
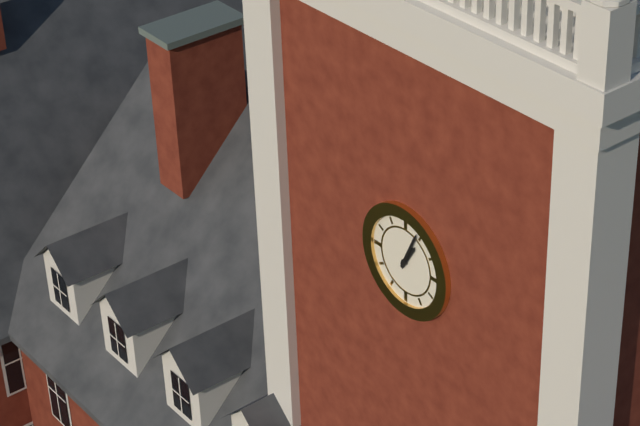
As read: h=1 m=4
